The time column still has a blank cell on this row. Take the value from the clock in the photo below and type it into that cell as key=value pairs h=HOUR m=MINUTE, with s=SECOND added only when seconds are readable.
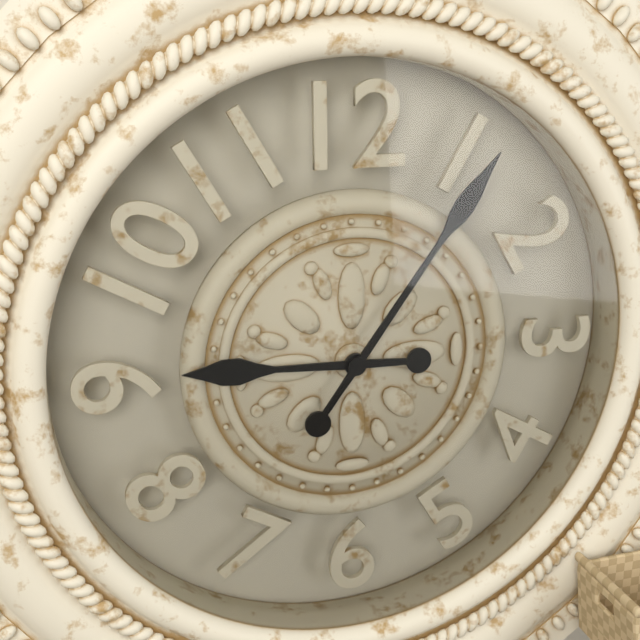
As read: h=9 m=6
